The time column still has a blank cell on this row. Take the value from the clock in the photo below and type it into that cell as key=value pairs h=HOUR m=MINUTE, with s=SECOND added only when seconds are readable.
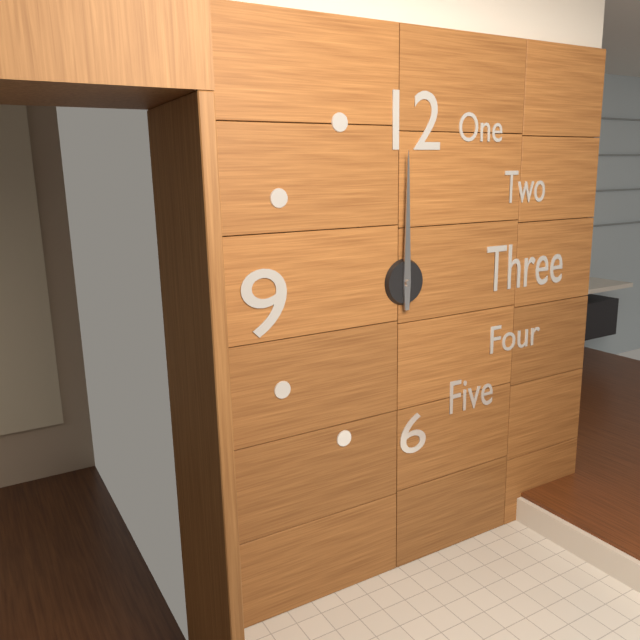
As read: h=12 m=0
